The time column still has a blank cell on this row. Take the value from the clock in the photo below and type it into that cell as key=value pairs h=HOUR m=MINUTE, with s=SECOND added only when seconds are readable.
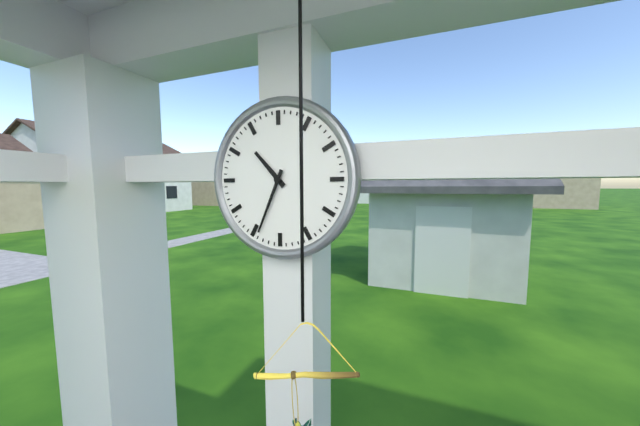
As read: h=10 m=34
